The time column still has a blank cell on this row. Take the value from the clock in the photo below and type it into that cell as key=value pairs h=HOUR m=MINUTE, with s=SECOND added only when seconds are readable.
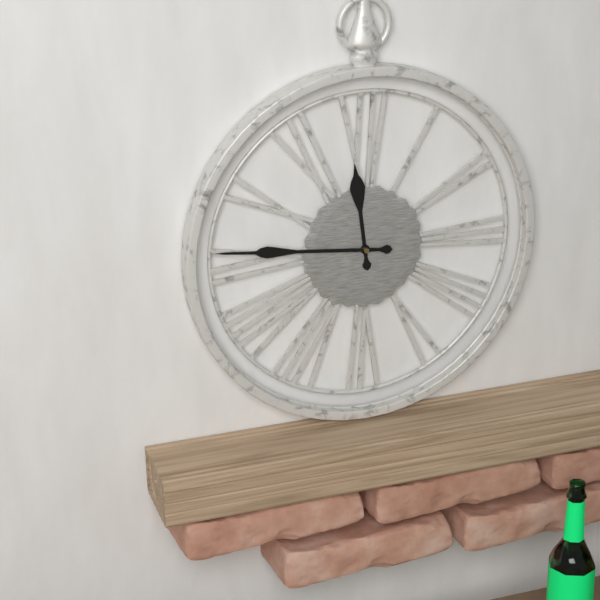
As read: h=11 m=46
